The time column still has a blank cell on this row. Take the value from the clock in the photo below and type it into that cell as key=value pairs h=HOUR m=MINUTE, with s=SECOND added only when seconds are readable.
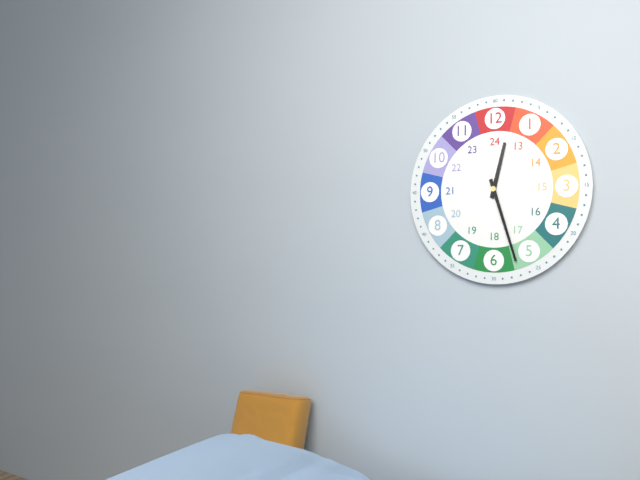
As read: h=12 m=27
